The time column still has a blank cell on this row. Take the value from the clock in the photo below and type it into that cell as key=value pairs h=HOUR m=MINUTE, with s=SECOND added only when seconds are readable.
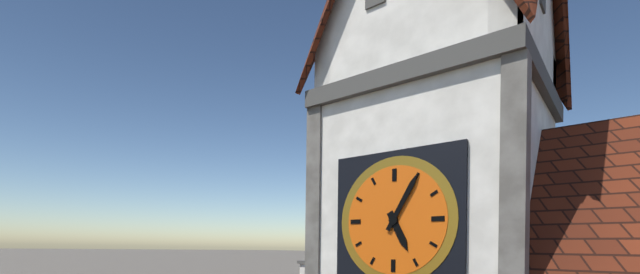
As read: h=5 m=5
